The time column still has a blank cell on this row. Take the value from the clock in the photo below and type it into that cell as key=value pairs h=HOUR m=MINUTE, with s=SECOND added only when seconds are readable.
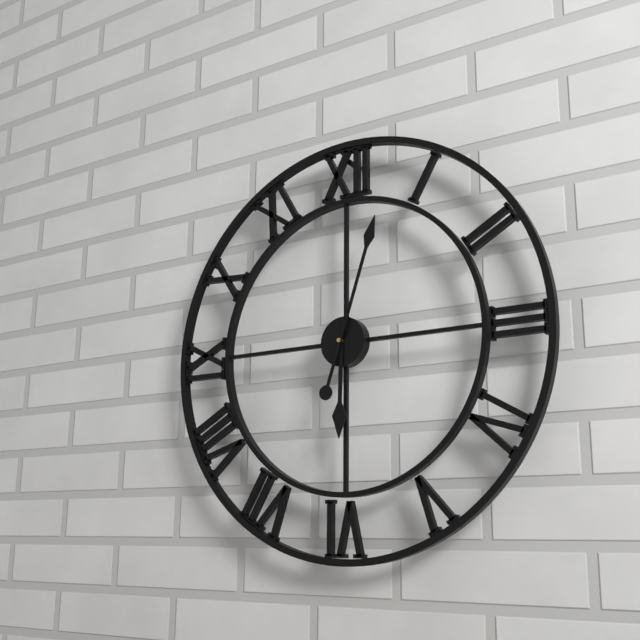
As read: h=6 m=3
